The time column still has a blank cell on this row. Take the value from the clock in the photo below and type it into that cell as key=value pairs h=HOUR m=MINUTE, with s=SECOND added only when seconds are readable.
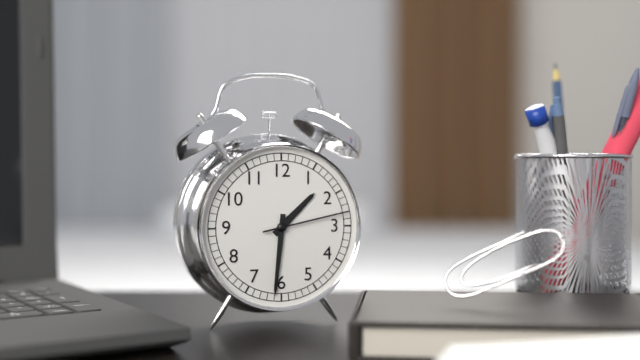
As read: h=1 m=31 s=13
